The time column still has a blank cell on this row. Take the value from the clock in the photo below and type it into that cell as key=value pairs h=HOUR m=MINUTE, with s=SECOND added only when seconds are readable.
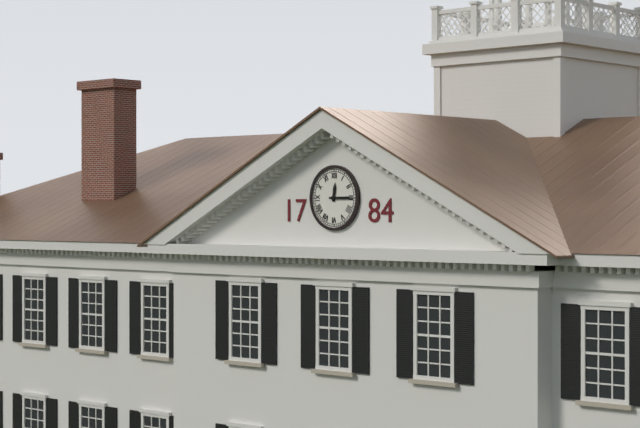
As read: h=12 m=15
